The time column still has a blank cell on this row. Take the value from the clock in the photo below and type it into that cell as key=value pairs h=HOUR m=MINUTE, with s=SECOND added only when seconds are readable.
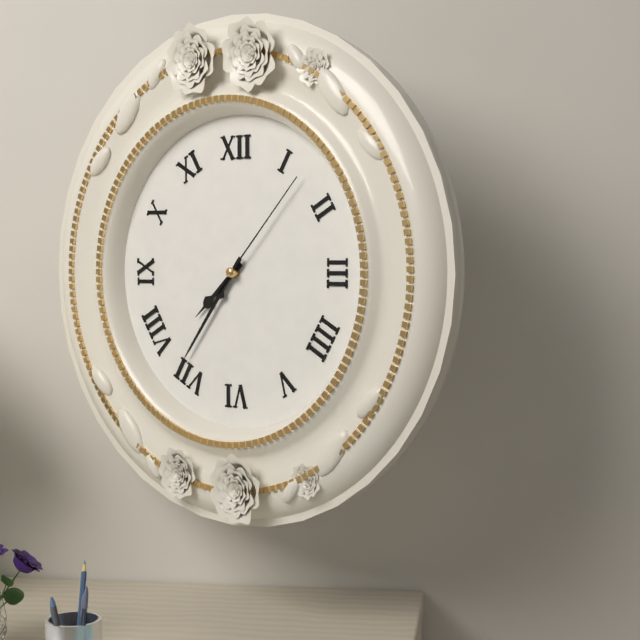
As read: h=7 m=36 s=7
